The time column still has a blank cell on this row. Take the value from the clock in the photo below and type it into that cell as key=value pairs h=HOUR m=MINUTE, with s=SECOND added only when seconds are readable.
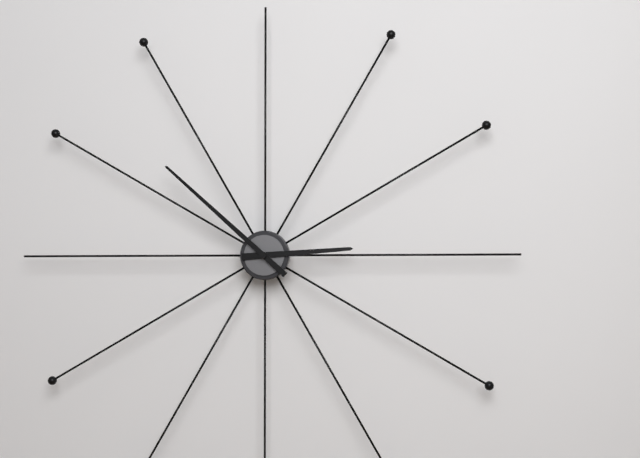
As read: h=2 m=52
